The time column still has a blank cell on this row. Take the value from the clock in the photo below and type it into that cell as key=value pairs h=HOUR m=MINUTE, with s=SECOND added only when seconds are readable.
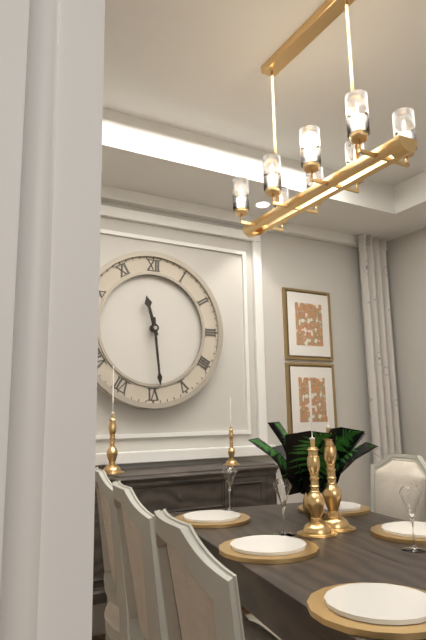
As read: h=11 m=29
